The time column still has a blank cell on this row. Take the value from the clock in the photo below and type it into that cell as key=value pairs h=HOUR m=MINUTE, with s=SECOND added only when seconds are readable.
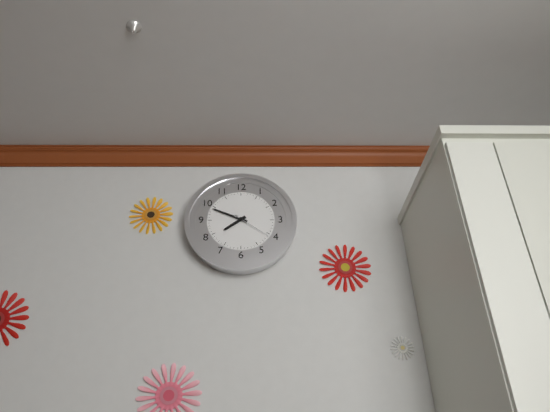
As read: h=7 m=49
